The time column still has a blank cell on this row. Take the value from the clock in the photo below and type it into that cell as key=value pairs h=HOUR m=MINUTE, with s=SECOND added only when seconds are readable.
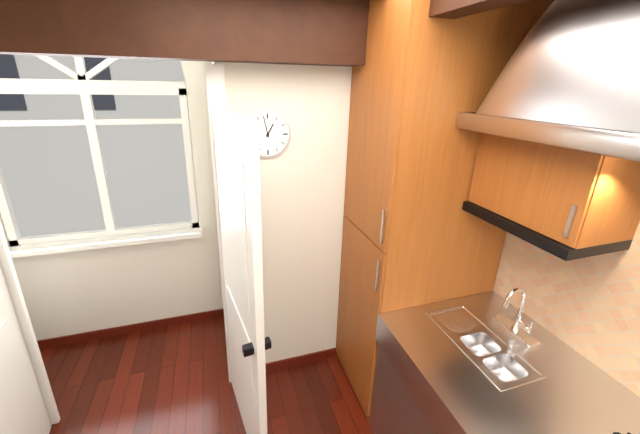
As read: h=12 m=58
